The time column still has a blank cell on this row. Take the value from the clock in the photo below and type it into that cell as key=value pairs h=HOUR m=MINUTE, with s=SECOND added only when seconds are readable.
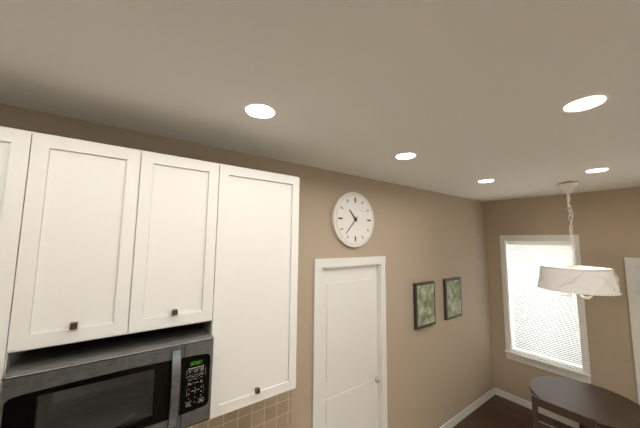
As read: h=10 m=37
